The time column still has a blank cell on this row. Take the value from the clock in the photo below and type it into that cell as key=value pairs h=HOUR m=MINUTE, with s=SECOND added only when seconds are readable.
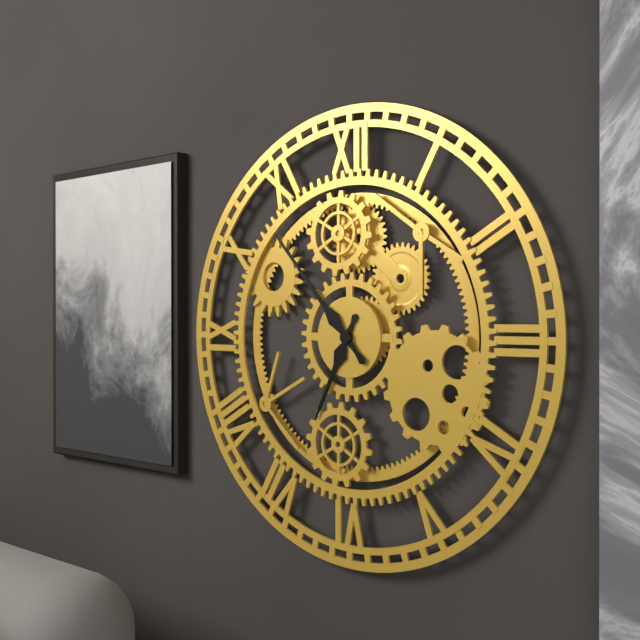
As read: h=6 m=53
